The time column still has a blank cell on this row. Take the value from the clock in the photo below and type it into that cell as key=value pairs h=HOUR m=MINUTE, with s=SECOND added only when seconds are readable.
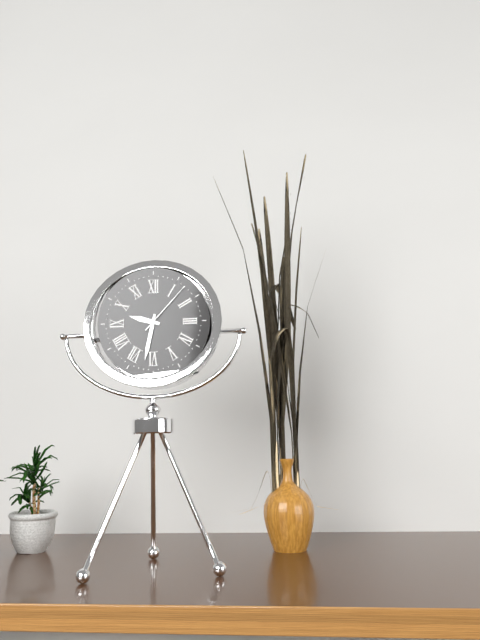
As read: h=9 m=32 s=7
